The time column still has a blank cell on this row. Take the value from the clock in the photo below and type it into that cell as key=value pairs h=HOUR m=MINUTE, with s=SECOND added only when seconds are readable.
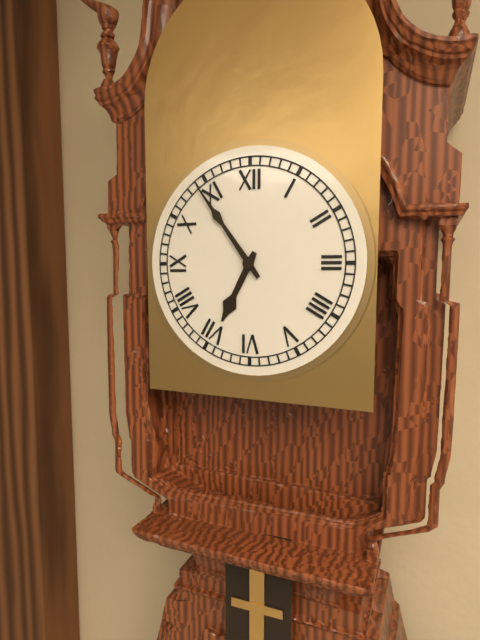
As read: h=6 m=54
